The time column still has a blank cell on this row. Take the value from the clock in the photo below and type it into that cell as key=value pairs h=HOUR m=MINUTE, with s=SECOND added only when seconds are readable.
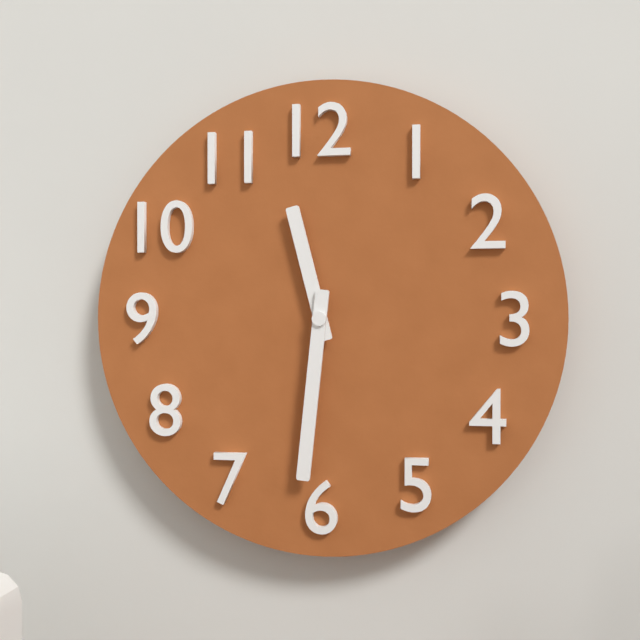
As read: h=11 m=31
